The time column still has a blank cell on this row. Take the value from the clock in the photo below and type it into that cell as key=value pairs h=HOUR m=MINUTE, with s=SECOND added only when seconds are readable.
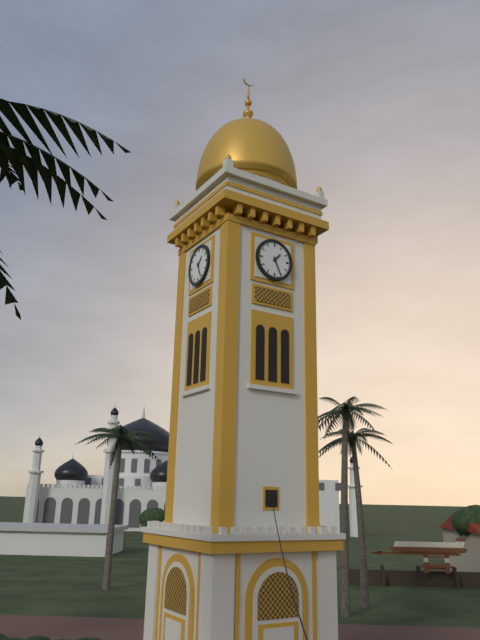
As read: h=1 m=26
